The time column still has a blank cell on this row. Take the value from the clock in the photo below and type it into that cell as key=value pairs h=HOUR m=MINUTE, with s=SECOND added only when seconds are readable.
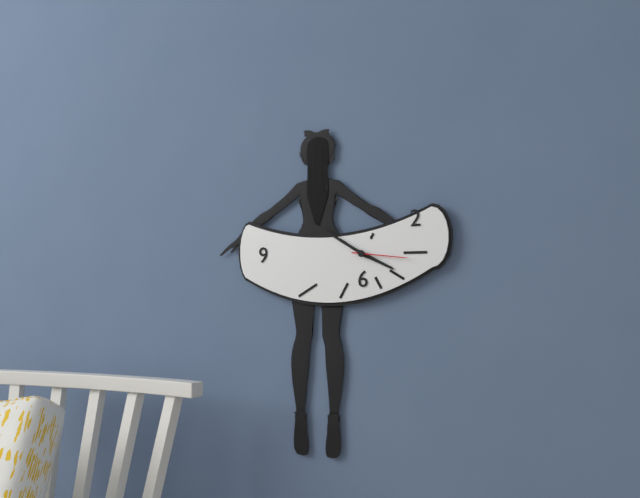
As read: h=3 m=50 s=16
